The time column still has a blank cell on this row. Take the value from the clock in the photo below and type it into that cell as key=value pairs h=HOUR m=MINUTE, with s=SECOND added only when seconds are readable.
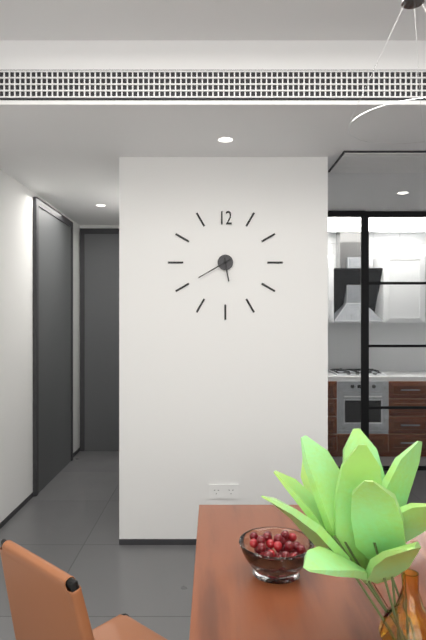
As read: h=5 m=40
